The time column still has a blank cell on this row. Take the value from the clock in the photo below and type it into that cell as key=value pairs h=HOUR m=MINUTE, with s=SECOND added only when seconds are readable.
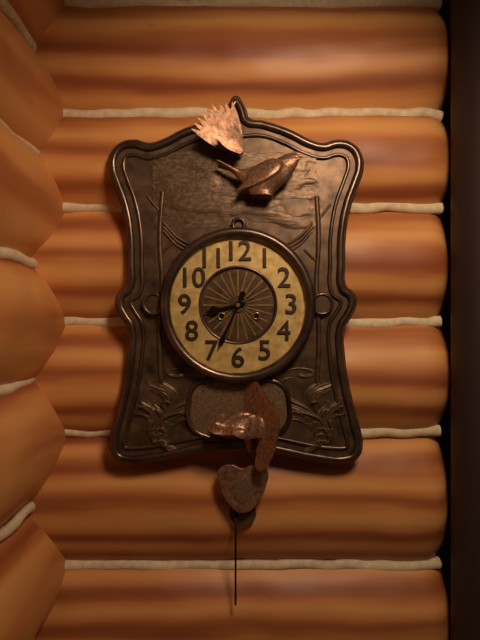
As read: h=8 m=34
